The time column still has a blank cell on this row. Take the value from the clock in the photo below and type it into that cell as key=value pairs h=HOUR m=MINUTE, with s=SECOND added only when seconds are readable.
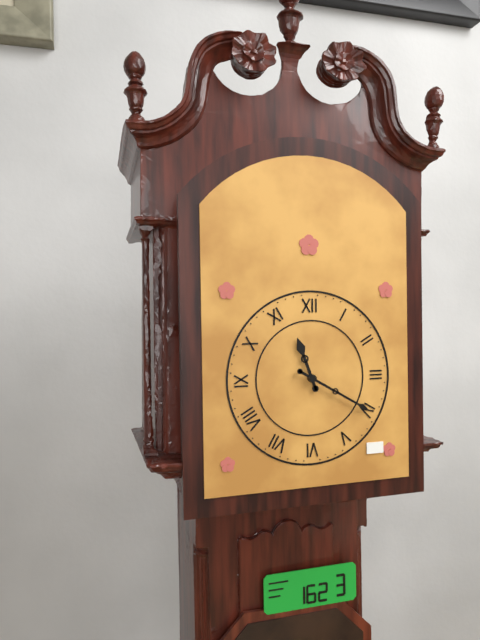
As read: h=11 m=20
